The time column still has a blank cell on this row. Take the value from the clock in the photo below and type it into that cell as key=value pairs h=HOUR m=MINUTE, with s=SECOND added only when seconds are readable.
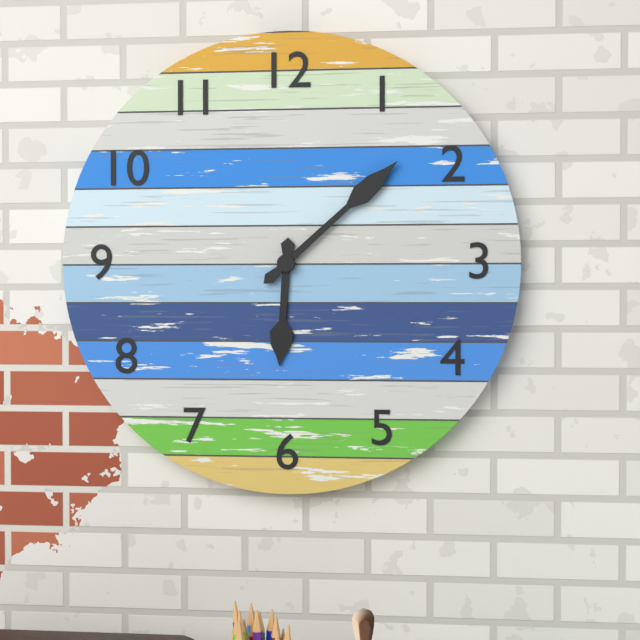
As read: h=6 m=8
